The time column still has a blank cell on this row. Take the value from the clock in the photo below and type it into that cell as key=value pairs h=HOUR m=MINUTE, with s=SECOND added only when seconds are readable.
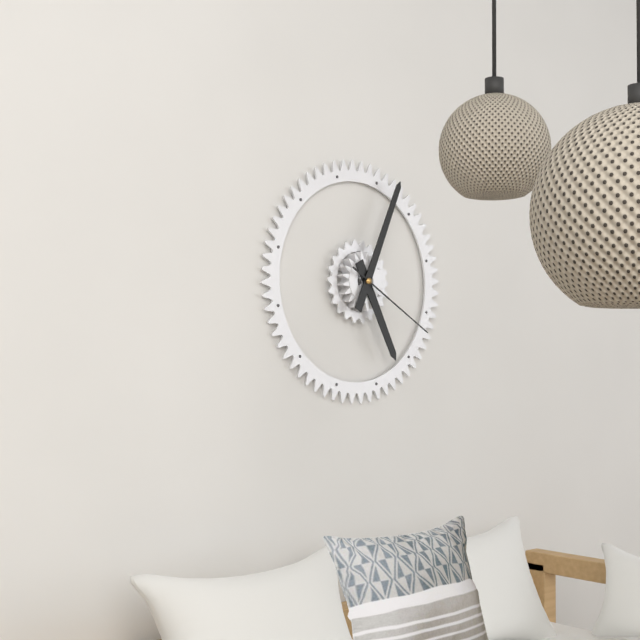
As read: h=5 m=4 s=20
